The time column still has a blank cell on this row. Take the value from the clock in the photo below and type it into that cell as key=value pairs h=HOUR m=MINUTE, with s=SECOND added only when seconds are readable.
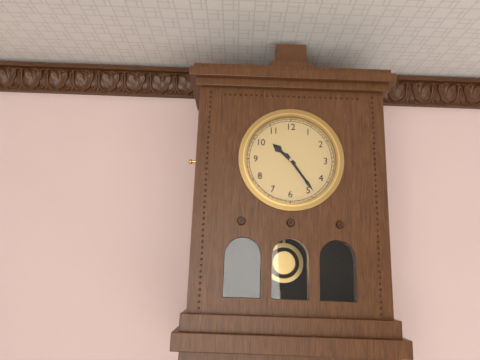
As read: h=10 m=24
